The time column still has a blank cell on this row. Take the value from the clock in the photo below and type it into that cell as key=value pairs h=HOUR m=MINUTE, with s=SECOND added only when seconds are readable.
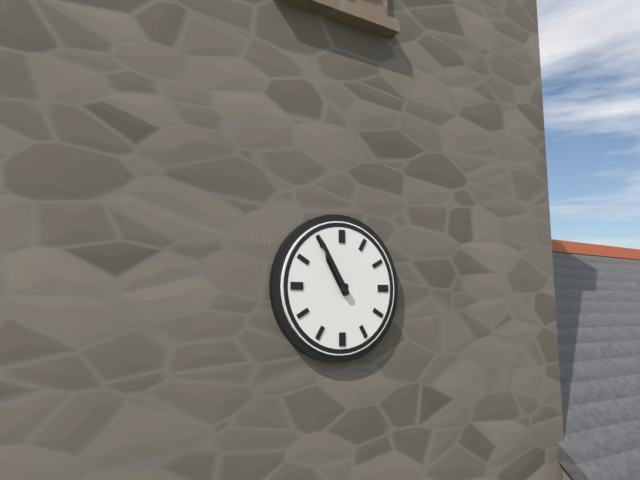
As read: h=10 m=55
